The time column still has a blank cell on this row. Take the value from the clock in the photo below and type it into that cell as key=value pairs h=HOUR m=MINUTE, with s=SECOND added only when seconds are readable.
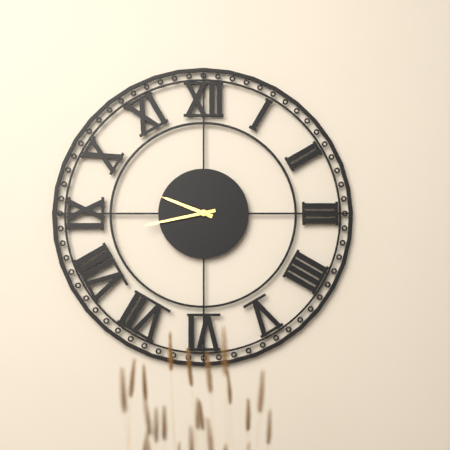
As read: h=9 m=43
